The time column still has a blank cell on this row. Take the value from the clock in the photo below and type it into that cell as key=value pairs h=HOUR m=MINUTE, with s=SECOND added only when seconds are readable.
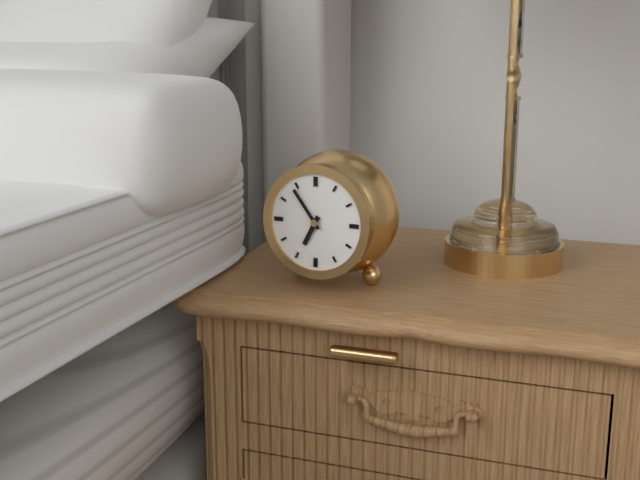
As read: h=6 m=54
